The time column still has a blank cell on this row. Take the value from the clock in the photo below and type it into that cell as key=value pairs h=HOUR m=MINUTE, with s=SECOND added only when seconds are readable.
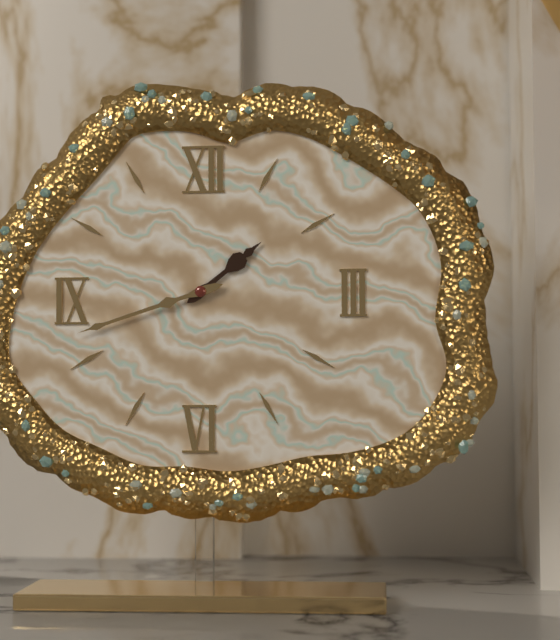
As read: h=1 m=42
